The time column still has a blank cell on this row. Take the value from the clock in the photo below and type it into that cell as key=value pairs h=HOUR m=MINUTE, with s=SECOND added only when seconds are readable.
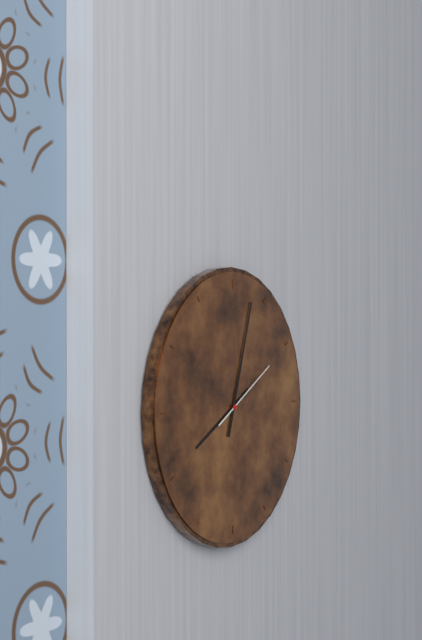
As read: h=8 m=3 s=10
